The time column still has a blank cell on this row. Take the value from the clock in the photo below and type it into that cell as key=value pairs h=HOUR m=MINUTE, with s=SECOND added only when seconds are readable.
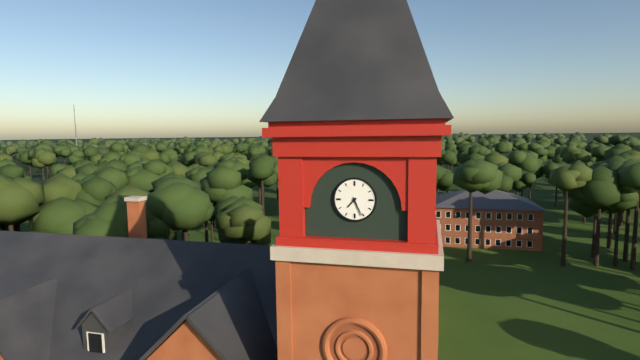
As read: h=7 m=26
